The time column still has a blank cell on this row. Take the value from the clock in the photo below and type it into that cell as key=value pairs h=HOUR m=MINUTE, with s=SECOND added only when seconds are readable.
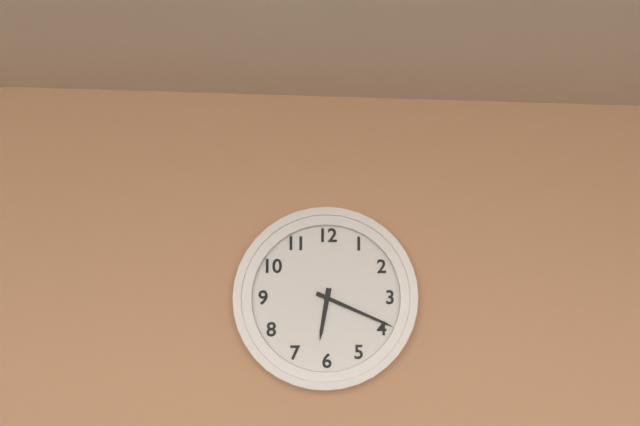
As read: h=6 m=19
